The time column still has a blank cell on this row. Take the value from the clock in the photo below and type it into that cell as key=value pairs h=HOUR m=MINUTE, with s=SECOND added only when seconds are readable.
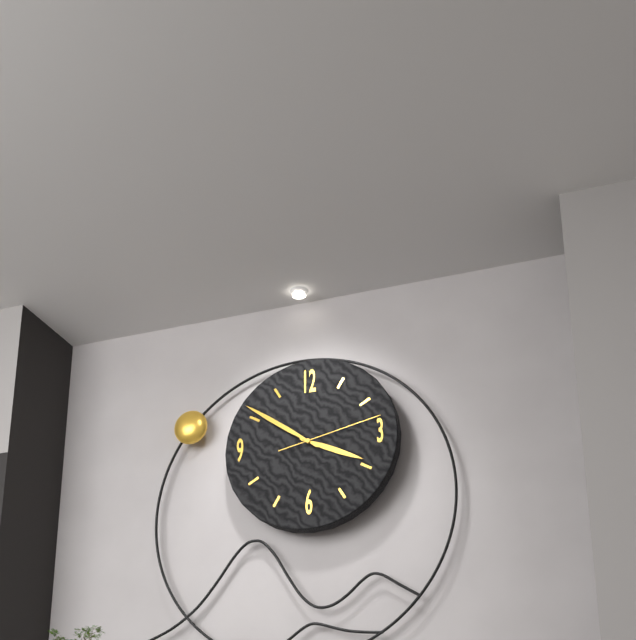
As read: h=3 m=51 s=13
